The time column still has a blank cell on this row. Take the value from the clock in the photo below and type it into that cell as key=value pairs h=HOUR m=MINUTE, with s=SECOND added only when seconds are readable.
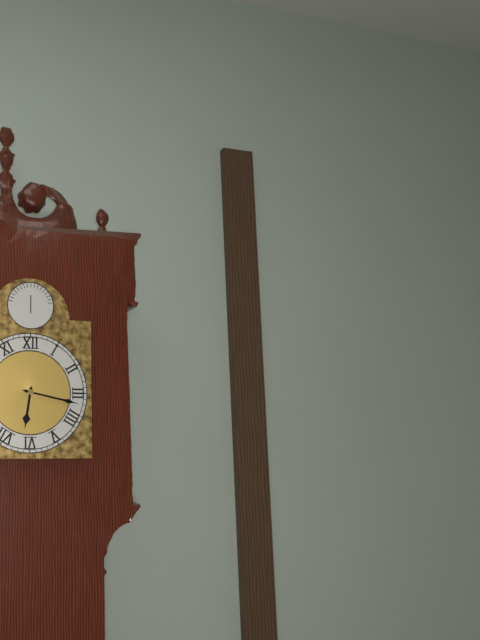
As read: h=6 m=17
